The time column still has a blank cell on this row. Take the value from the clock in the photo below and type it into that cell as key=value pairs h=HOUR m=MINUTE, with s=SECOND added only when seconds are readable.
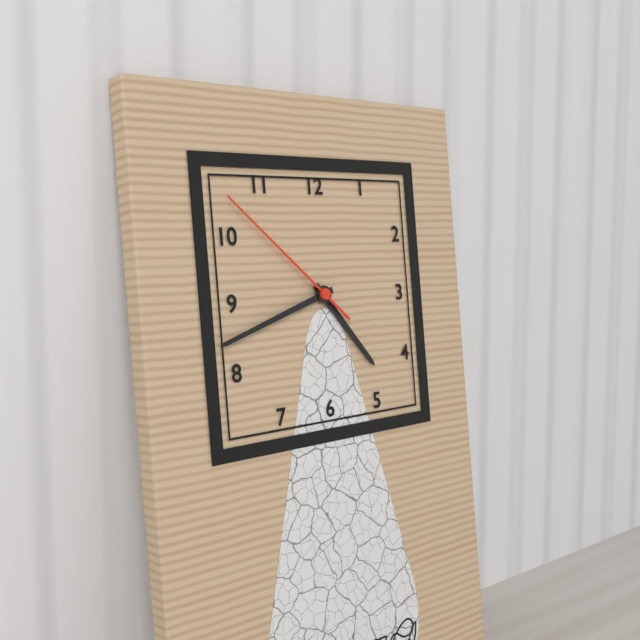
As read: h=4 m=42 s=52
